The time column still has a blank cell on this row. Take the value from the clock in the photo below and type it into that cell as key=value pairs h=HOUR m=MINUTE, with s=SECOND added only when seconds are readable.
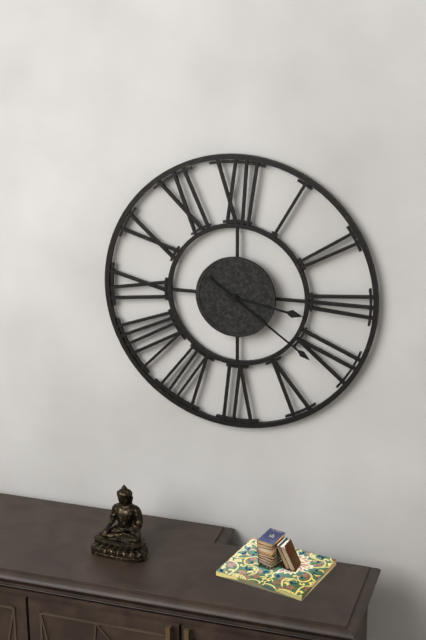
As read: h=3 m=21
